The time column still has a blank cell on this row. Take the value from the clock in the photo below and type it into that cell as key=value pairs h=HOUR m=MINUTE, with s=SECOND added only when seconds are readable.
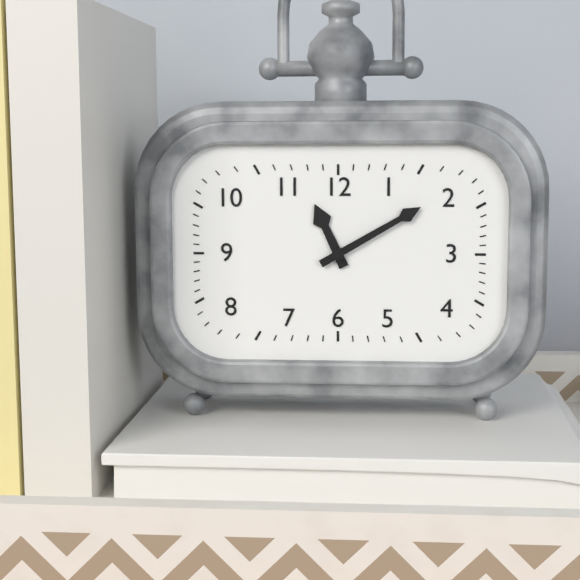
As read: h=11 m=10
